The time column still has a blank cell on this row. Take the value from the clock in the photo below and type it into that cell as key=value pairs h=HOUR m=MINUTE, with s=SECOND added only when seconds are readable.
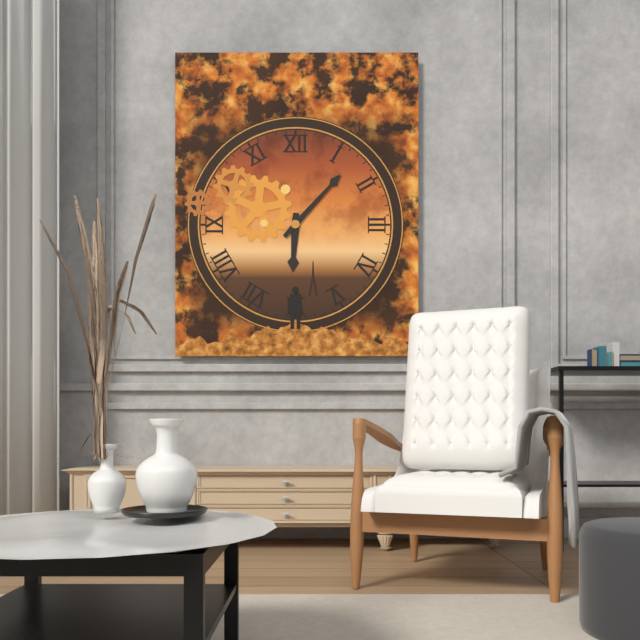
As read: h=6 m=7
